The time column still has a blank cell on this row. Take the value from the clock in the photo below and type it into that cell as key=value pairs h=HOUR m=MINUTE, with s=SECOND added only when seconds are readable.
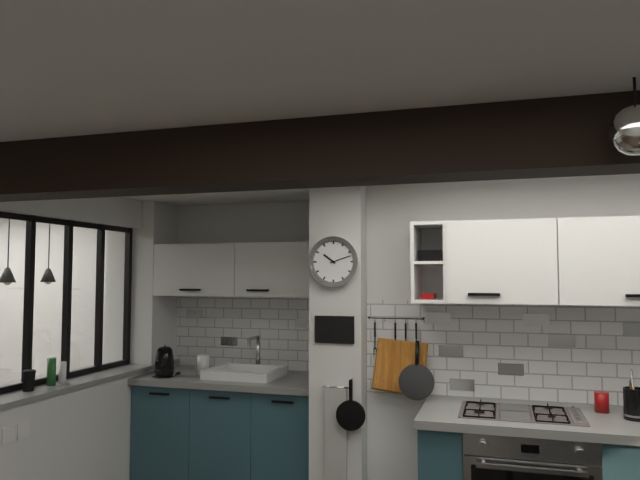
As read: h=10 m=12
